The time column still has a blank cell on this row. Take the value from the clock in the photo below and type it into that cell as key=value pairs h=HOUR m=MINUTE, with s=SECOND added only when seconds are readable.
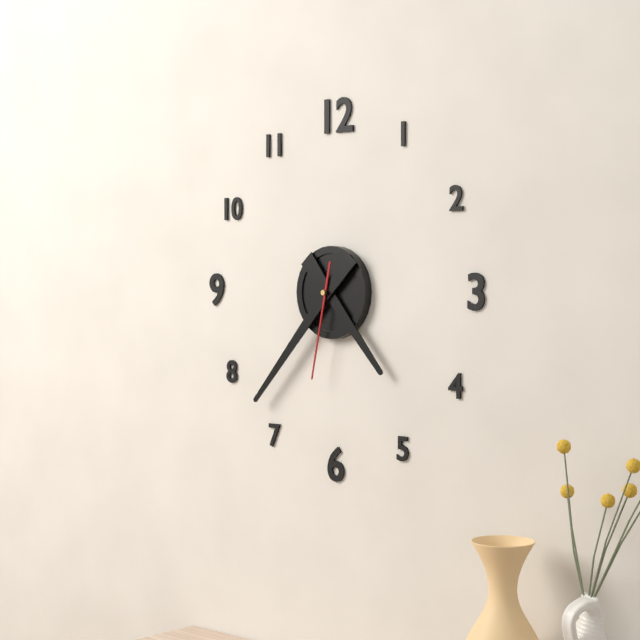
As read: h=4 m=37 s=32
